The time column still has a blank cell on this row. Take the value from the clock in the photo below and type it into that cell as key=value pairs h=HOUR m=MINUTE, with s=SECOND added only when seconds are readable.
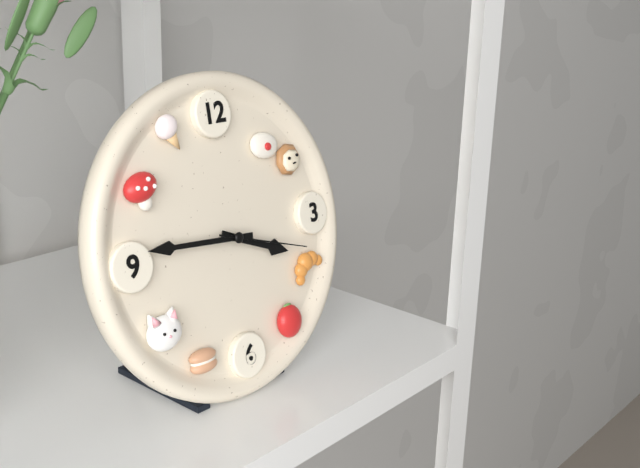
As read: h=3 m=46 s=18
